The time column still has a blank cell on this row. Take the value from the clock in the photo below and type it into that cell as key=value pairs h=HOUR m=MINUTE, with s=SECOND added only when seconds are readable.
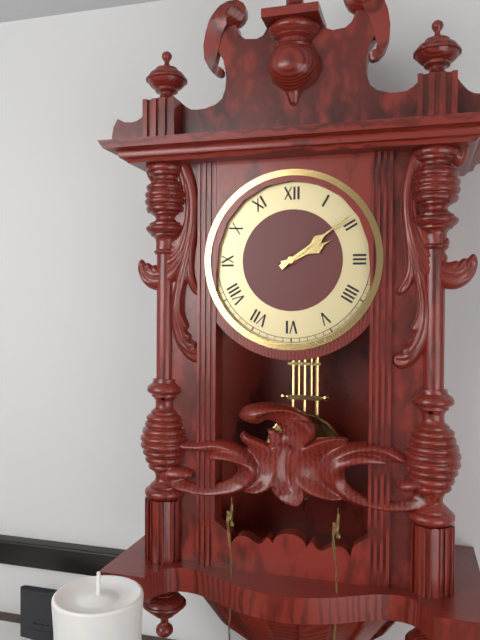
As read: h=2 m=9
